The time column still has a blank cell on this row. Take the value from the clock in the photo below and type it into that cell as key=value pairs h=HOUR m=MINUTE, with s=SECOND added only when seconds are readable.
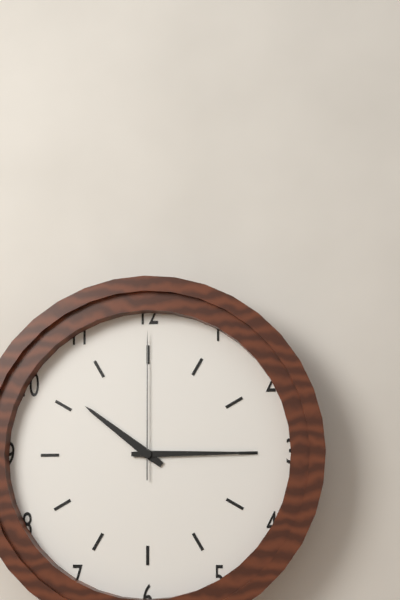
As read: h=10 m=15 s=0
